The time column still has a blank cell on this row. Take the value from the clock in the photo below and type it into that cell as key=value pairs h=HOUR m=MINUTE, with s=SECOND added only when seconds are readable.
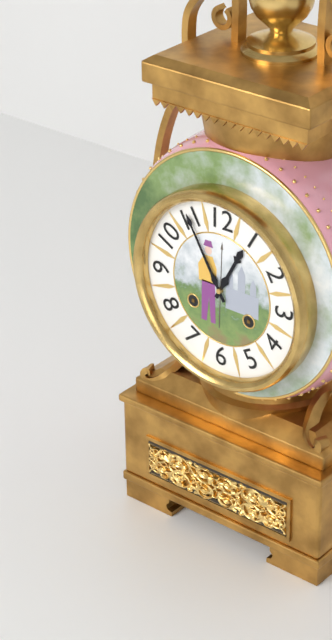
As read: h=12 m=55
